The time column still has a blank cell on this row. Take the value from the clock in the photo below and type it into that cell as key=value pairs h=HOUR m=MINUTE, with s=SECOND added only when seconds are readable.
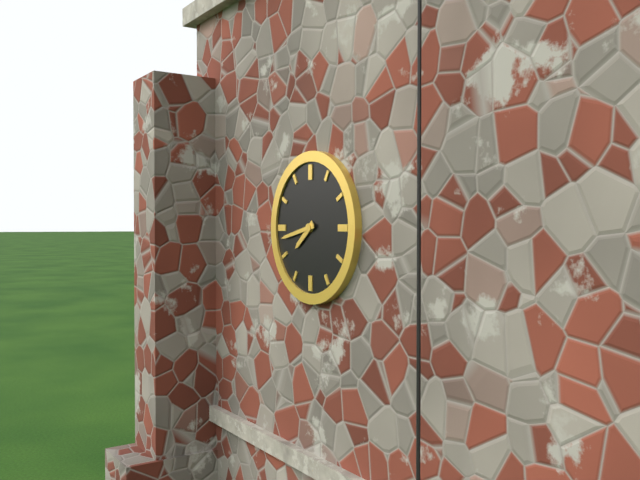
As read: h=7 m=43
